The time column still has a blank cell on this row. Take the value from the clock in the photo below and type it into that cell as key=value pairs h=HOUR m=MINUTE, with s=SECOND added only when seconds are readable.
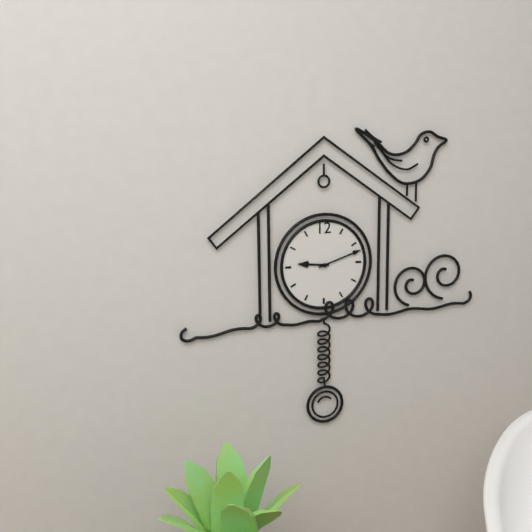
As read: h=9 m=12
